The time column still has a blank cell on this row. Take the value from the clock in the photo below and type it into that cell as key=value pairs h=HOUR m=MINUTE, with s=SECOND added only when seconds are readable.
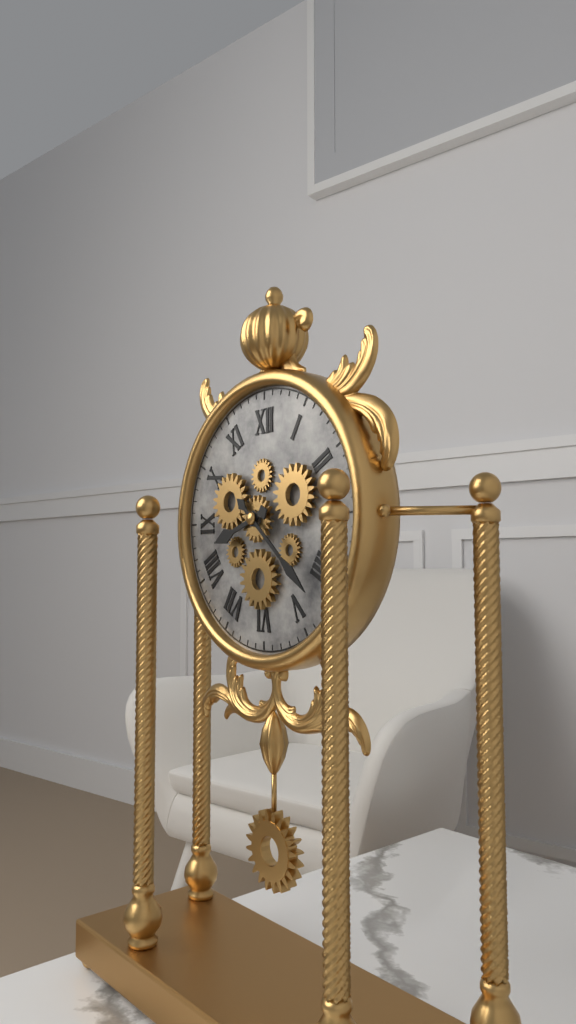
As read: h=8 m=22
